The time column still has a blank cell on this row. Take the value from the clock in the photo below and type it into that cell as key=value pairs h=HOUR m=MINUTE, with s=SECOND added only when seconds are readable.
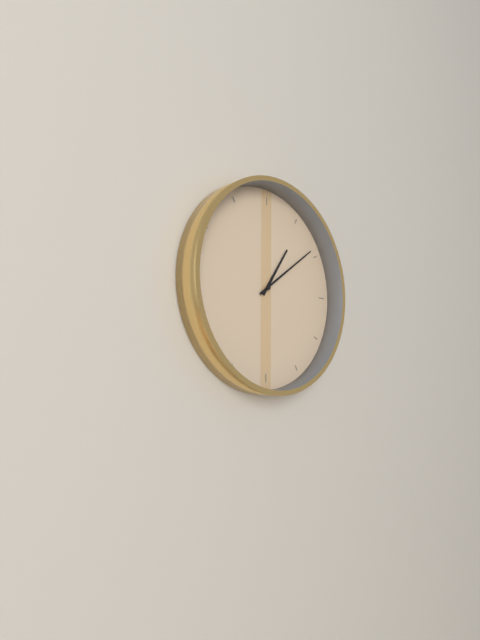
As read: h=1 m=9
